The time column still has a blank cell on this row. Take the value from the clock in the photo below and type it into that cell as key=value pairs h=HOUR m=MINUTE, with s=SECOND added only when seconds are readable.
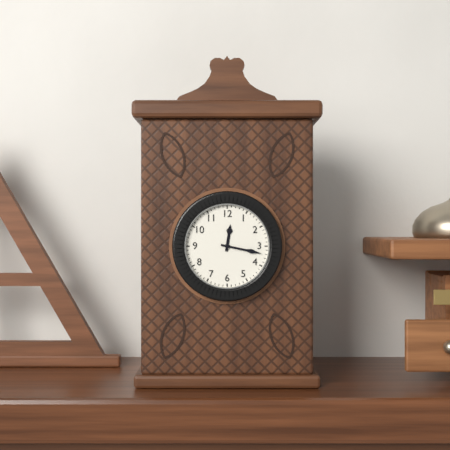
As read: h=12 m=17
